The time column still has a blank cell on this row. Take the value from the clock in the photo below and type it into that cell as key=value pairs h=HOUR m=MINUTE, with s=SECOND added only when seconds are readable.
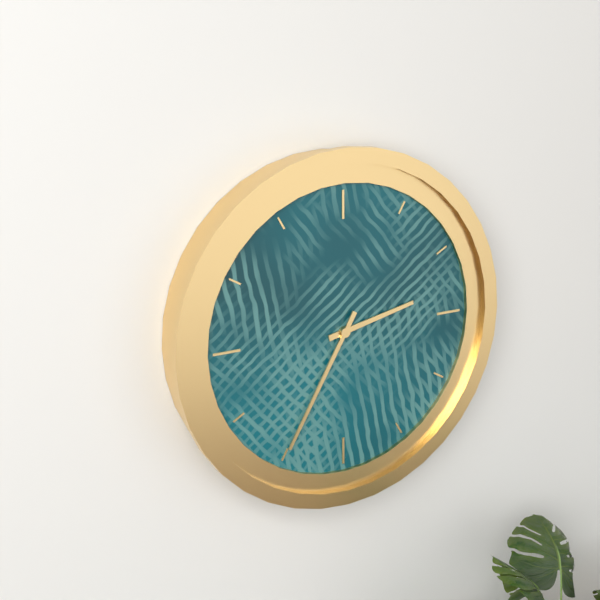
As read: h=2 m=35
